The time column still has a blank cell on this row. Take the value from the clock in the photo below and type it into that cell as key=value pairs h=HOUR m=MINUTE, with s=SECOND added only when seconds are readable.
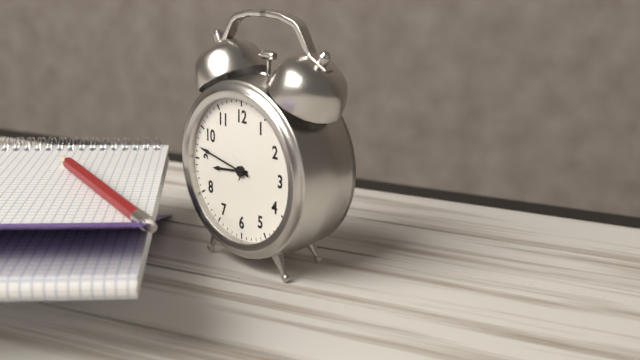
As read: h=8 m=47
